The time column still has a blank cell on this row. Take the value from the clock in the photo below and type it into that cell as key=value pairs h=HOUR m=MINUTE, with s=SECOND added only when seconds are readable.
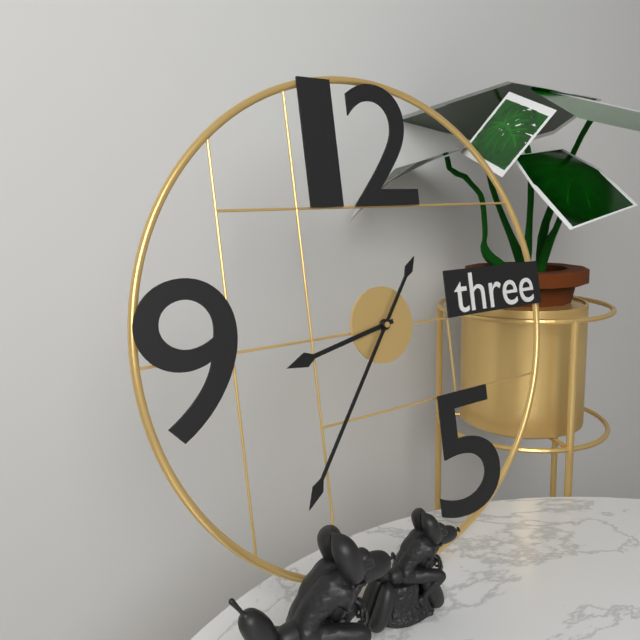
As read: h=8 m=36
